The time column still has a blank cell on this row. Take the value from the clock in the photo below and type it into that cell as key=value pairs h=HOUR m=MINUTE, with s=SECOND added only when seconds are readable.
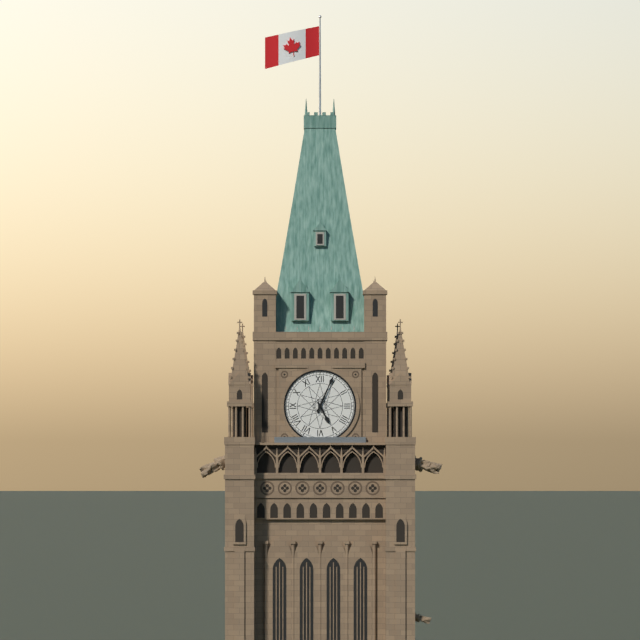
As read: h=5 m=4
